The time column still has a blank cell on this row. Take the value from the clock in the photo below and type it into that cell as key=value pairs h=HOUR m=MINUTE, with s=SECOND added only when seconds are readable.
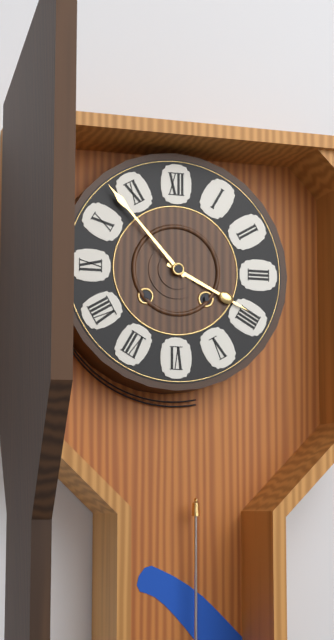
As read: h=3 m=53
